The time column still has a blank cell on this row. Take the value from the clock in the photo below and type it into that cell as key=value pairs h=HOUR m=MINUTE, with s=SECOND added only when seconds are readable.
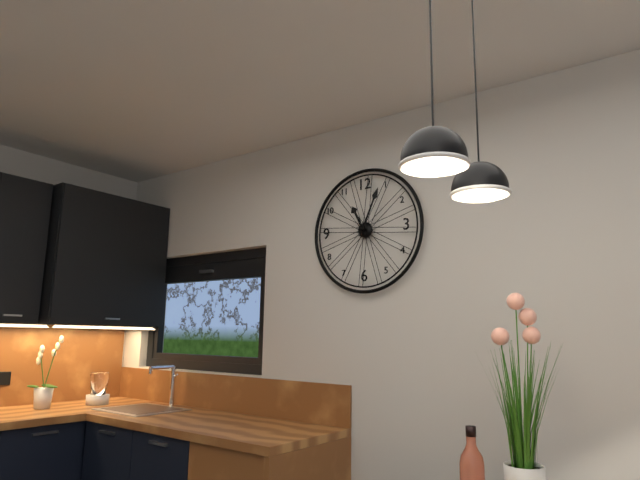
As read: h=11 m=4
